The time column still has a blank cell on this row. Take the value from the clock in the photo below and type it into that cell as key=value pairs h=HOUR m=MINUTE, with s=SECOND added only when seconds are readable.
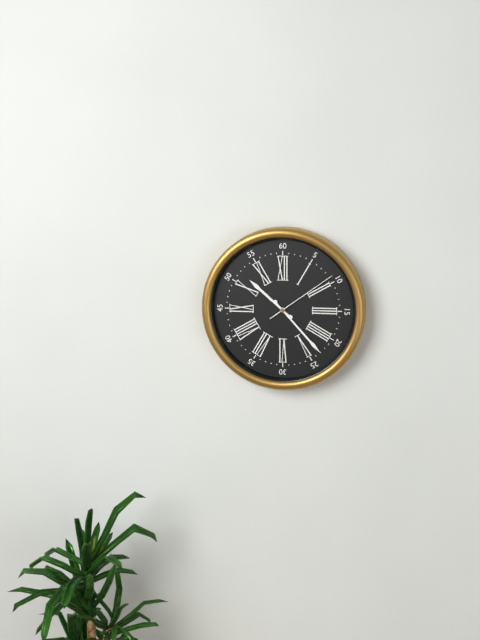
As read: h=10 m=23 s=9
